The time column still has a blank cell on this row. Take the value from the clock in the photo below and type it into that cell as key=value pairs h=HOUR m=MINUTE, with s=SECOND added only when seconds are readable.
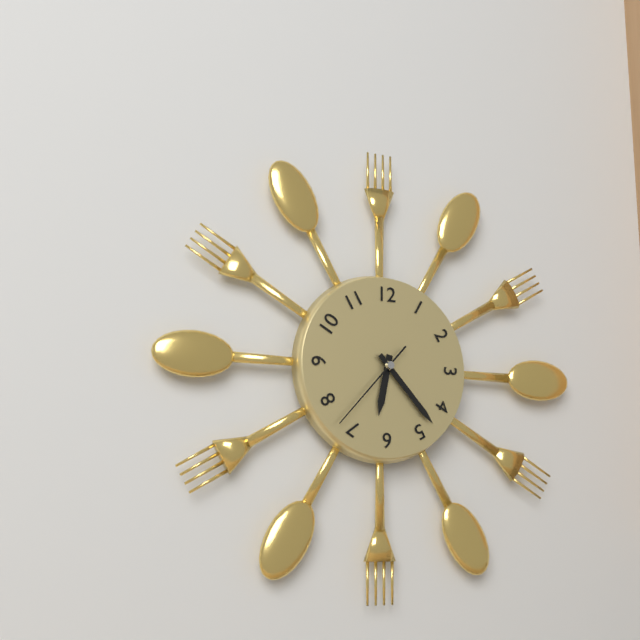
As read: h=6 m=23 s=37
